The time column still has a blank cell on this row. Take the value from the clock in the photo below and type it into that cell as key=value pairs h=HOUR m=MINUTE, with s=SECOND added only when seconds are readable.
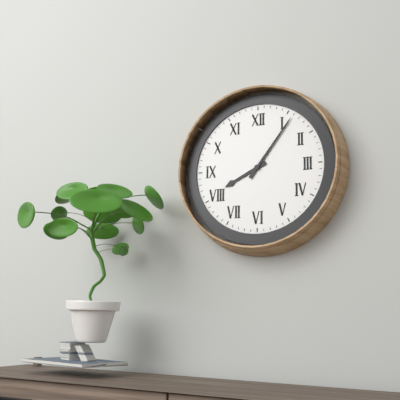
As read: h=8 m=6
